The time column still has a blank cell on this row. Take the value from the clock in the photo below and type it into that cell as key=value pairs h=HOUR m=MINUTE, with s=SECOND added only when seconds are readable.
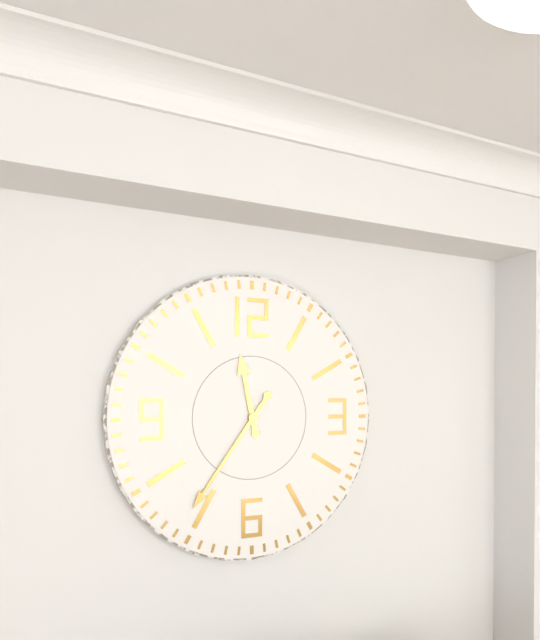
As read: h=11 m=36
